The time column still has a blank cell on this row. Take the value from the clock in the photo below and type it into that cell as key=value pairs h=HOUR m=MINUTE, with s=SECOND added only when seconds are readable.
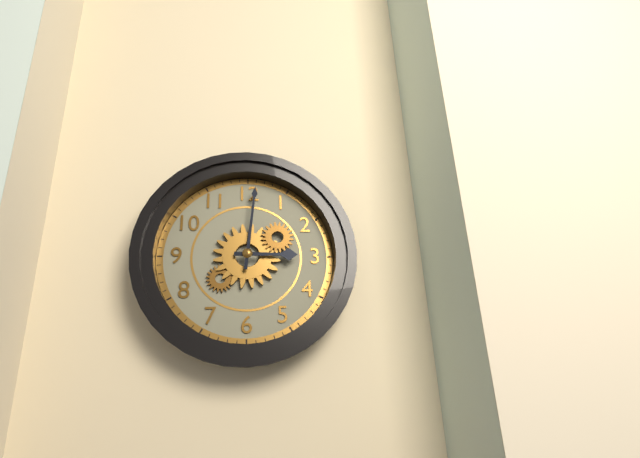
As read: h=3 m=1
